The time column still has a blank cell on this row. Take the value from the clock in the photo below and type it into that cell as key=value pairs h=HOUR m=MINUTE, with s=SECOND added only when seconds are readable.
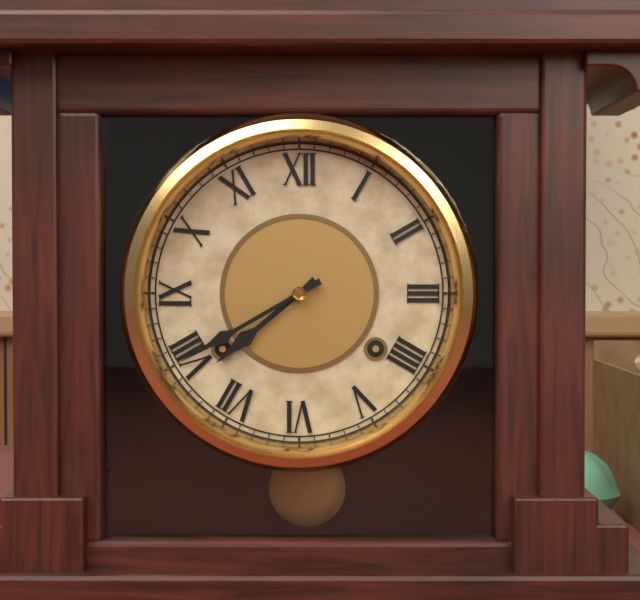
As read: h=7 m=40
